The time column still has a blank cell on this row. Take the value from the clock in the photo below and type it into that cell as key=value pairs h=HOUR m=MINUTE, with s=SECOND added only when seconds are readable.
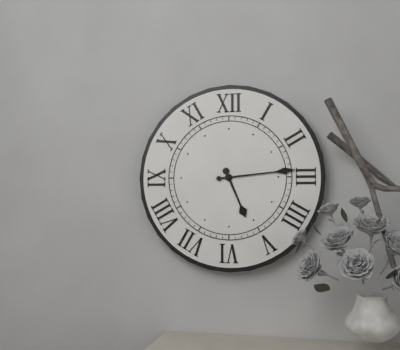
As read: h=5 m=14
